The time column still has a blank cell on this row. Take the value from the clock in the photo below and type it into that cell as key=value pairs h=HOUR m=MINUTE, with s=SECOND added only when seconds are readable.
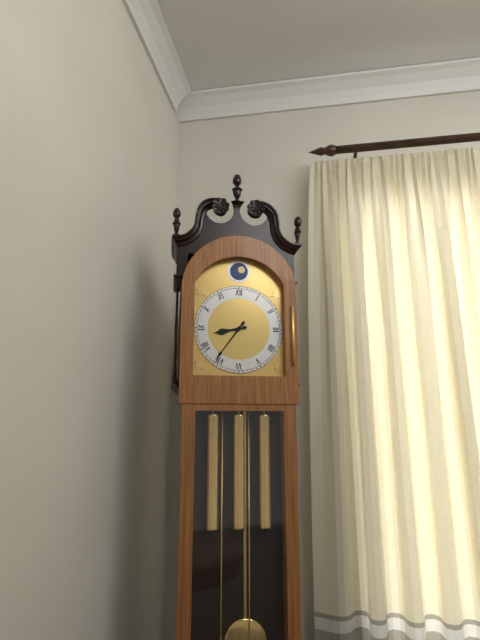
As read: h=8 m=36
